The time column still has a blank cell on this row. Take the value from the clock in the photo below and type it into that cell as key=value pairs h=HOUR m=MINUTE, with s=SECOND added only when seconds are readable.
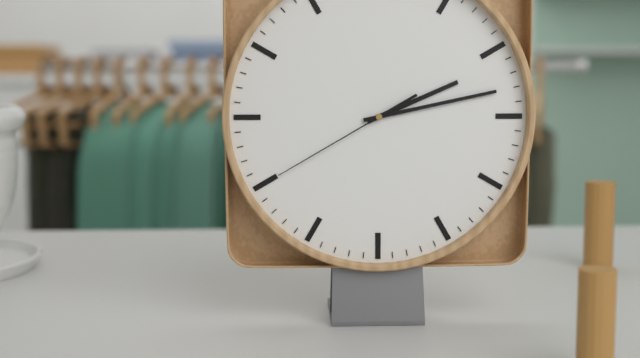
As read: h=2 m=13 s=40
